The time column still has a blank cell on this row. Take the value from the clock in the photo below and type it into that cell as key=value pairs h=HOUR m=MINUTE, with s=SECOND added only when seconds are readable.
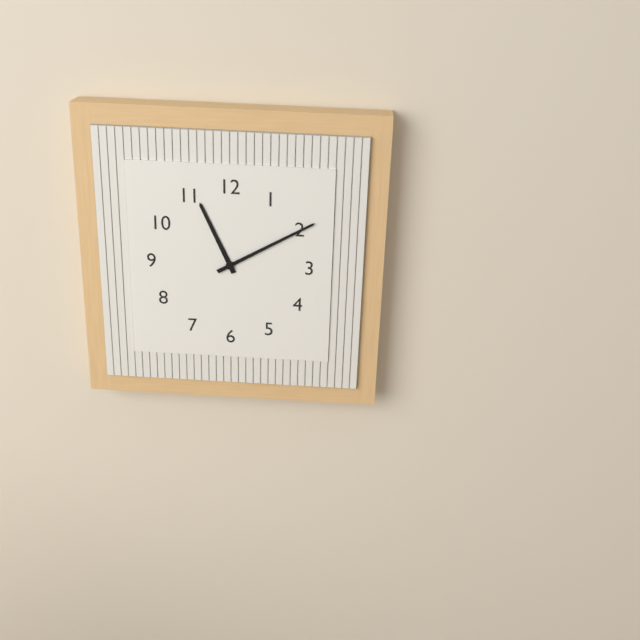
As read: h=11 m=10
